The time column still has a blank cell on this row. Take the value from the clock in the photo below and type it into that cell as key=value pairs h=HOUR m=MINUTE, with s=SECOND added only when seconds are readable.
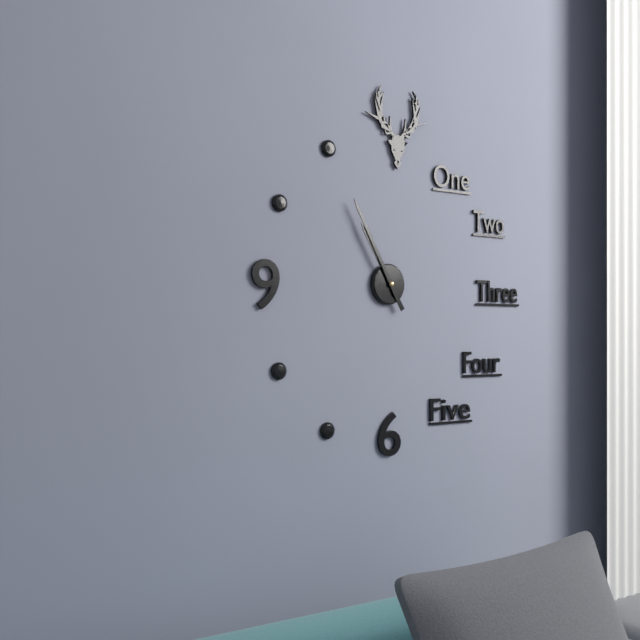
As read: h=10 m=55
